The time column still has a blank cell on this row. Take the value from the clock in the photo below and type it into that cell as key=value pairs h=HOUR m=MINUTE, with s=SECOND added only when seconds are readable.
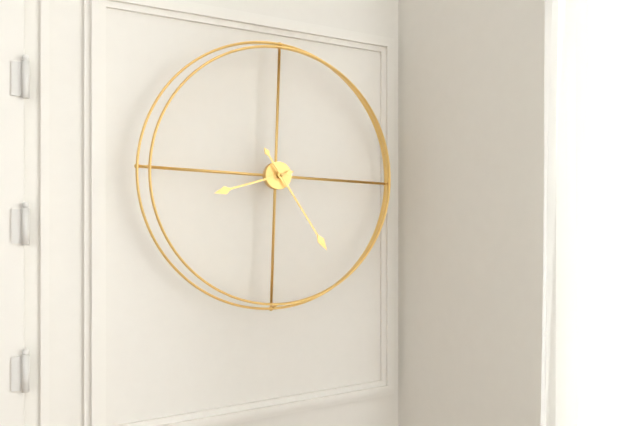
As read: h=8 m=24
